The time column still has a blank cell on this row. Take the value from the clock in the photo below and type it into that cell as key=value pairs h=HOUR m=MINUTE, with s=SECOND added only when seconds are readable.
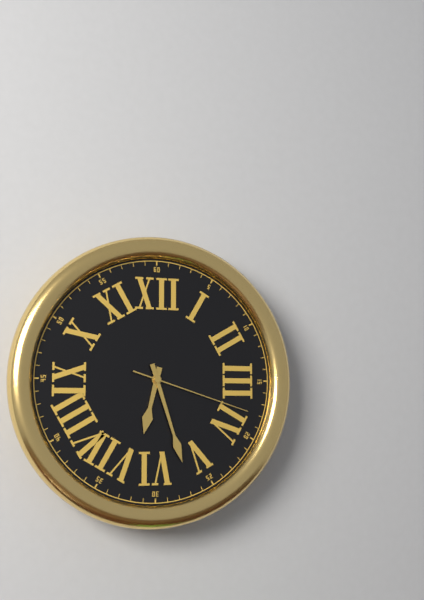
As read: h=6 m=27 s=18
